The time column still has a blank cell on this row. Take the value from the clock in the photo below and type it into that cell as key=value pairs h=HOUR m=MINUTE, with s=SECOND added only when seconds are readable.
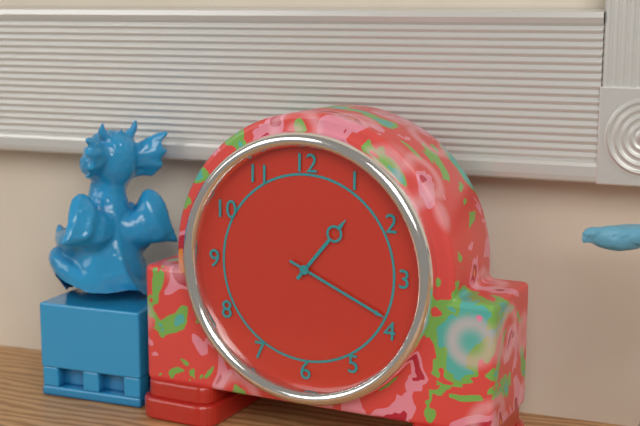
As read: h=1 m=19
